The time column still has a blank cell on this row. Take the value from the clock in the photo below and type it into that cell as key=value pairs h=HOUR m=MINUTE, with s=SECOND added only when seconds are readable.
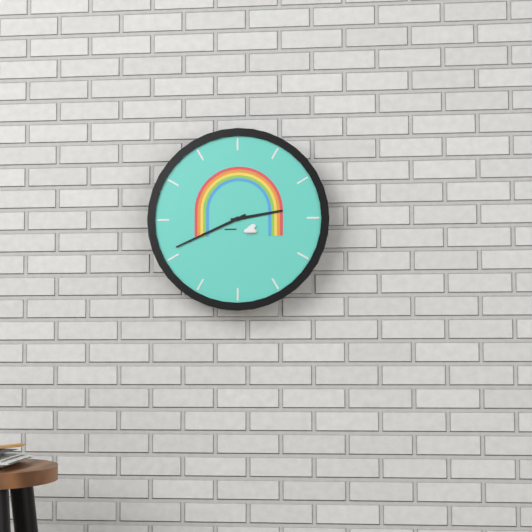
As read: h=2 m=41
